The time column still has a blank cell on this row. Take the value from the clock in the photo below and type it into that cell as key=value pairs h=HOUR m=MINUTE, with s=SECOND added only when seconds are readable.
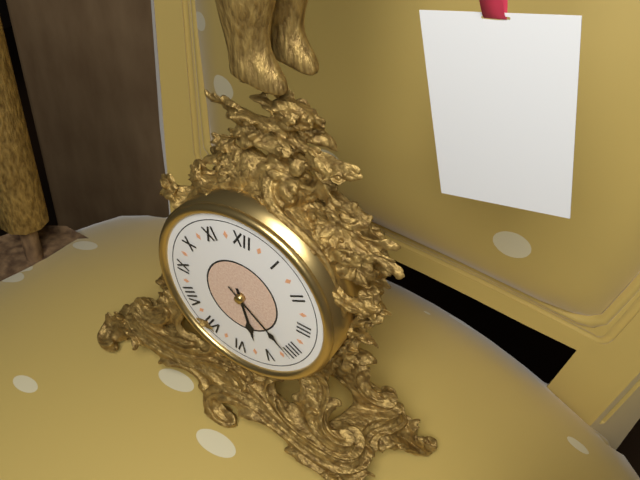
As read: h=5 m=21
